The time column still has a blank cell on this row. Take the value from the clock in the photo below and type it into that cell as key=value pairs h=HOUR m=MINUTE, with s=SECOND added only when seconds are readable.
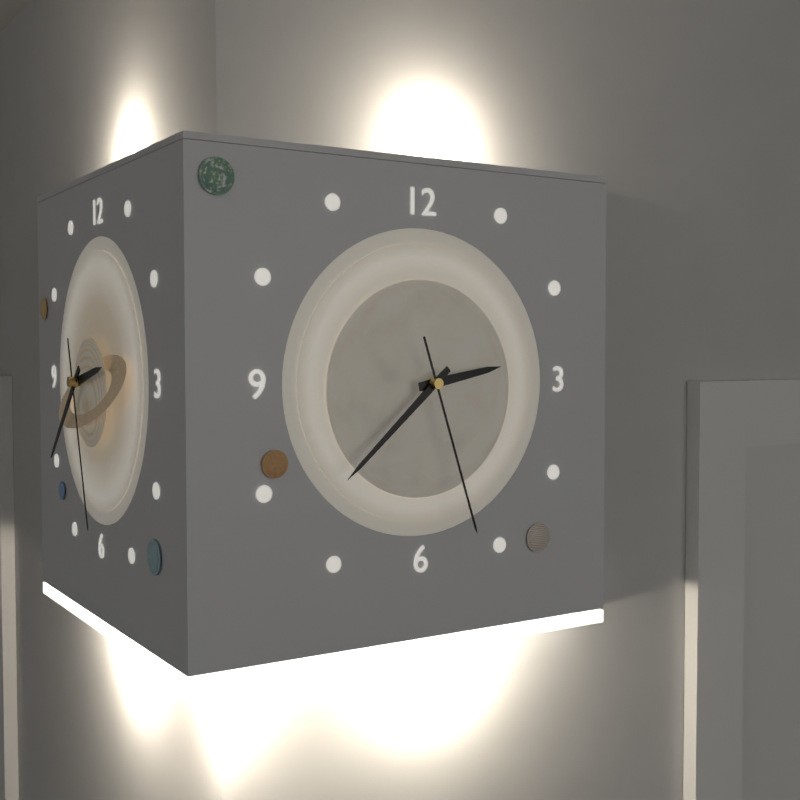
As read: h=2 m=38 s=27
